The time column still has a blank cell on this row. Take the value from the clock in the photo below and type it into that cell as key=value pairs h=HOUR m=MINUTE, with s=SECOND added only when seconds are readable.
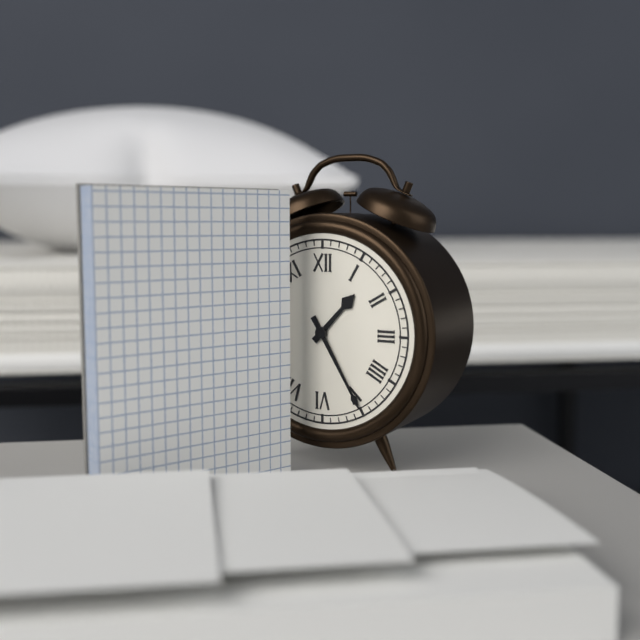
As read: h=1 m=25
